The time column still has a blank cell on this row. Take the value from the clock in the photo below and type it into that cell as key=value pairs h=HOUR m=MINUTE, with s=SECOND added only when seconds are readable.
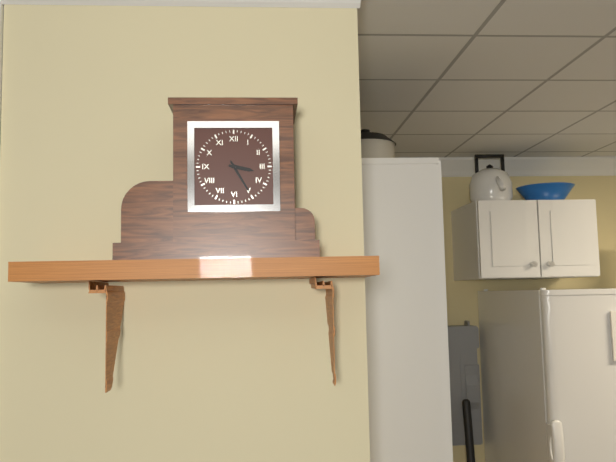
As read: h=3 m=25
